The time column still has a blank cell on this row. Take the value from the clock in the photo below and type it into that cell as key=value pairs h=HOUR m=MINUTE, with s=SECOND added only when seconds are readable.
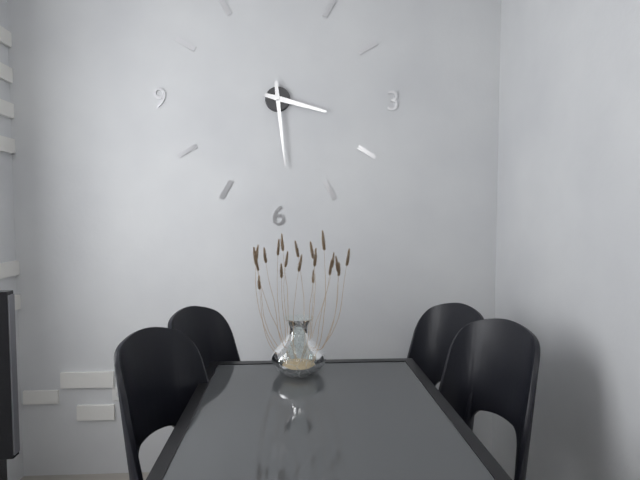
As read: h=3 m=29
